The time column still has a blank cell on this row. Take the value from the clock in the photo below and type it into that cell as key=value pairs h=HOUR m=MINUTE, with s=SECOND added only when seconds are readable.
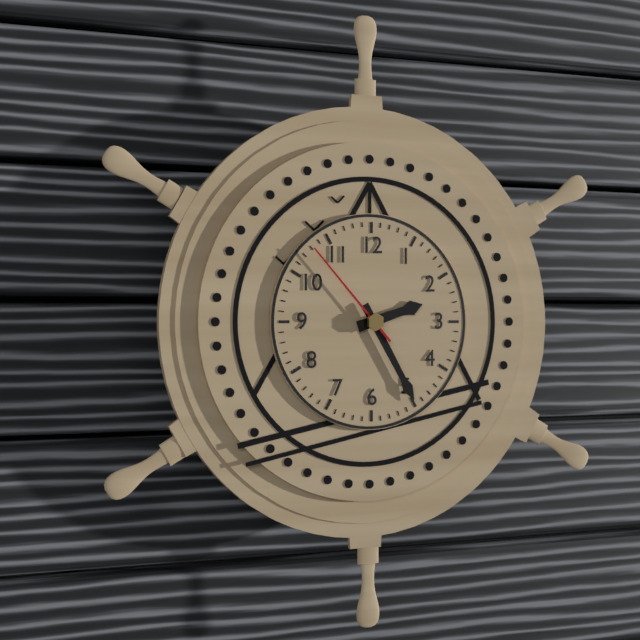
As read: h=2 m=25 s=53
